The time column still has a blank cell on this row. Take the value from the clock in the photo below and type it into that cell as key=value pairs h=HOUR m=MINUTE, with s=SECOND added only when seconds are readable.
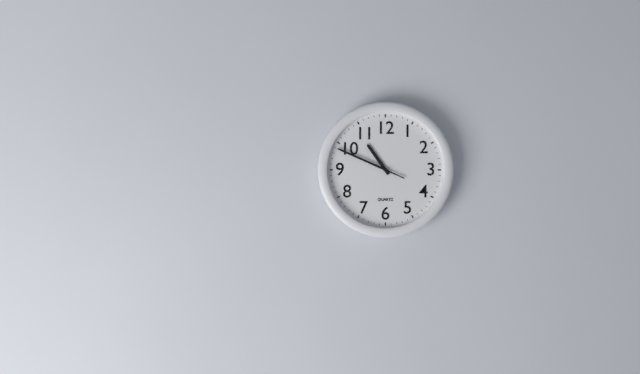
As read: h=10 m=49
